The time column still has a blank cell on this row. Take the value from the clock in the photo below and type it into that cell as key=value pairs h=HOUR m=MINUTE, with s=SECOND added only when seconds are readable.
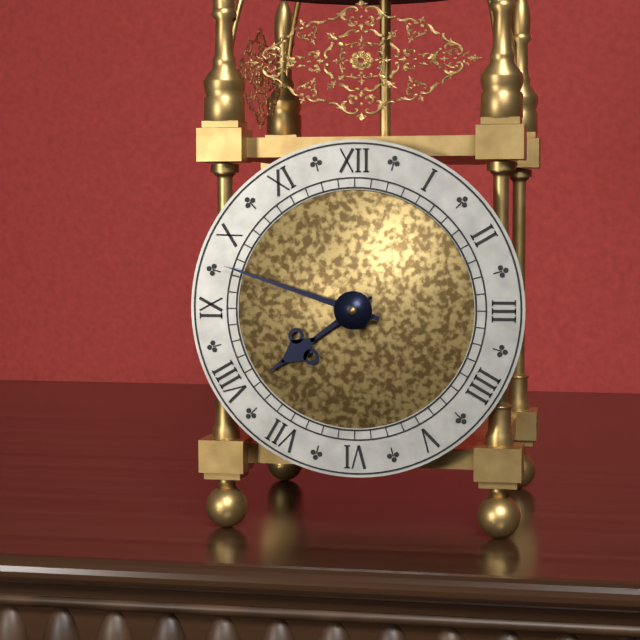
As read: h=7 m=48
